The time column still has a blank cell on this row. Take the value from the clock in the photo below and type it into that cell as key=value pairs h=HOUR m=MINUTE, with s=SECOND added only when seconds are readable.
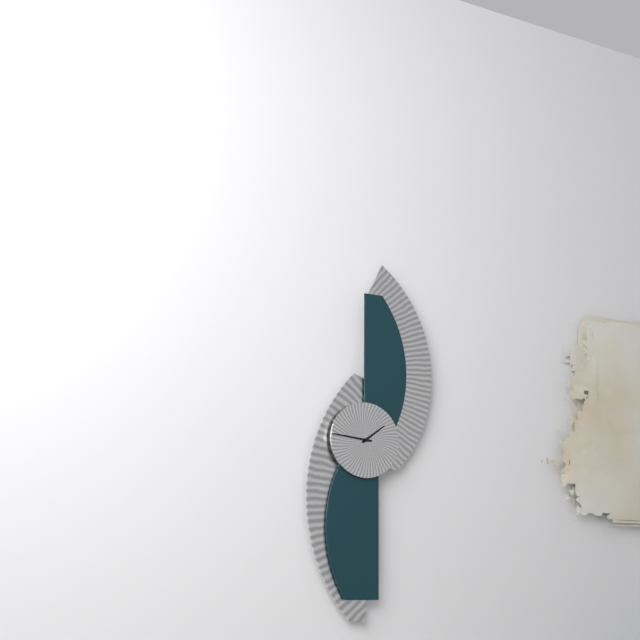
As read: h=1 m=46
